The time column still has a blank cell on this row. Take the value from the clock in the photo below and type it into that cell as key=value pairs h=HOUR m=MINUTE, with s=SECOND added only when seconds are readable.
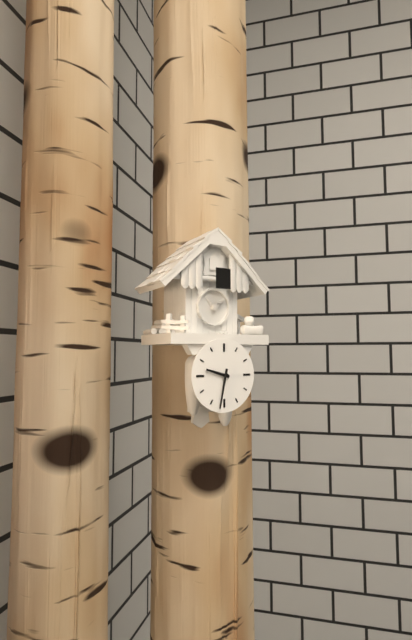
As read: h=9 m=32
